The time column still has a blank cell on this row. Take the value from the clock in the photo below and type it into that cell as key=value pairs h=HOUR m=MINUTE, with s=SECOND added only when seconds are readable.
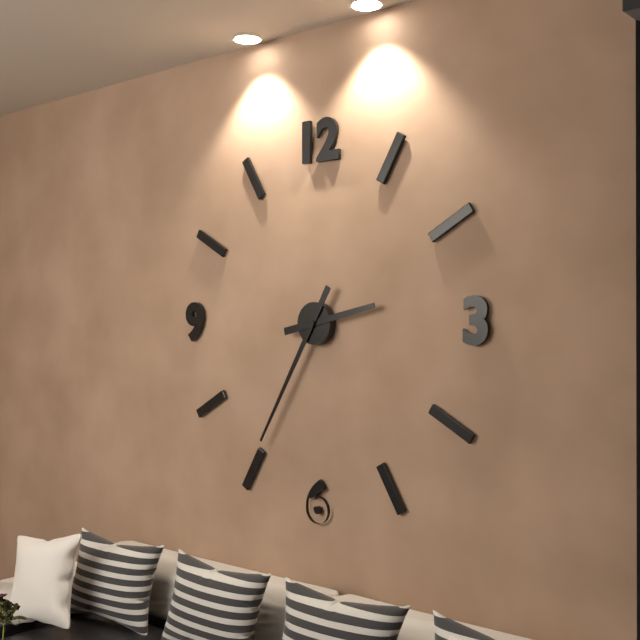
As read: h=2 m=35
